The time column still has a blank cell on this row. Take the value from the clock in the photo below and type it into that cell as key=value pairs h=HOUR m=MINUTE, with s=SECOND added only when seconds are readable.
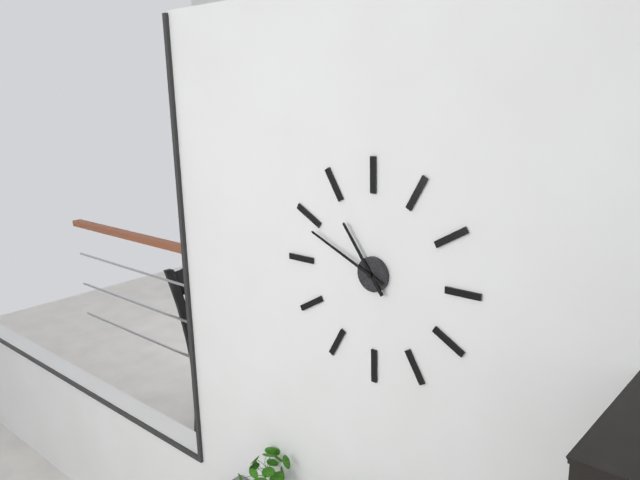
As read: h=10 m=49
